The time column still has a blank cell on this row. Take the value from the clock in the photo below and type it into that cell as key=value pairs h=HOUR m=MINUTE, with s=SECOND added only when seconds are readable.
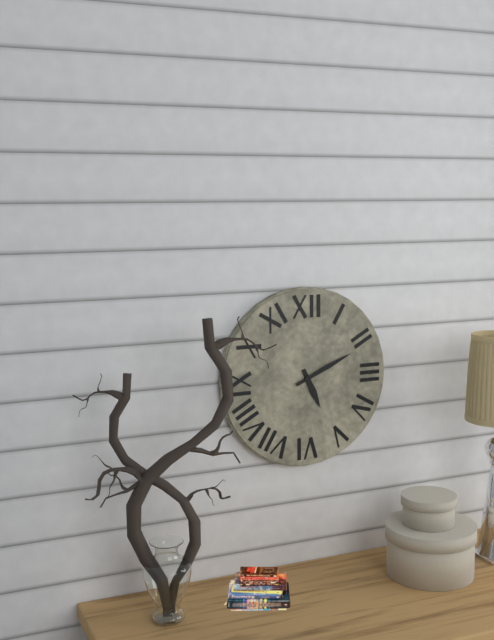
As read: h=5 m=11
